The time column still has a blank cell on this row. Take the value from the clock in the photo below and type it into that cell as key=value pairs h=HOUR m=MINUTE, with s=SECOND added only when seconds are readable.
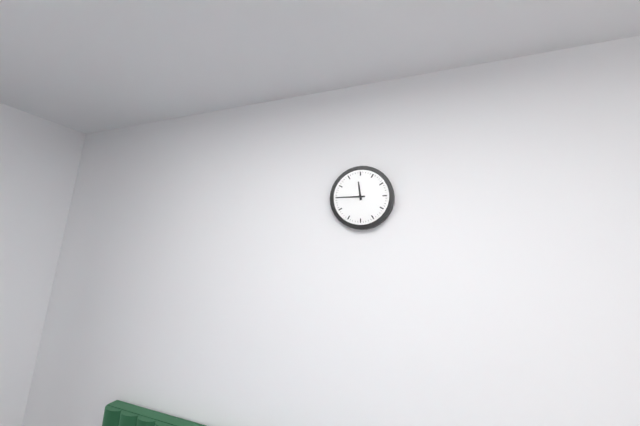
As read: h=11 m=45
